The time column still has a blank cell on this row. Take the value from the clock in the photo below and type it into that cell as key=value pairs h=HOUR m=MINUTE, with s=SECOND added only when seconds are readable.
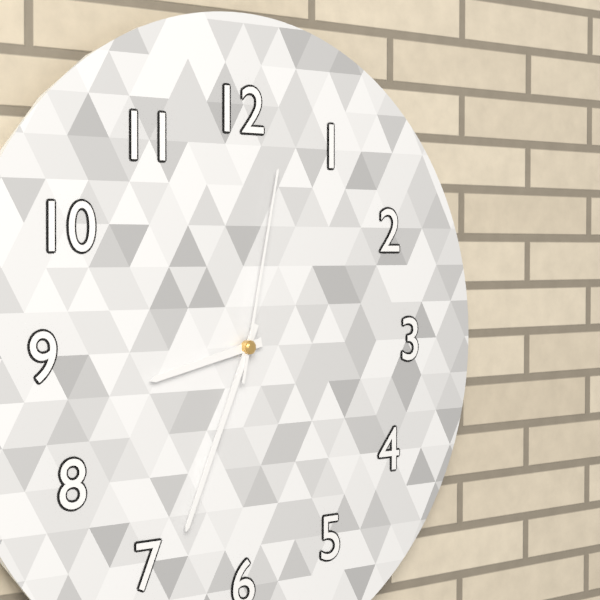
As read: h=8 m=34 s=2
